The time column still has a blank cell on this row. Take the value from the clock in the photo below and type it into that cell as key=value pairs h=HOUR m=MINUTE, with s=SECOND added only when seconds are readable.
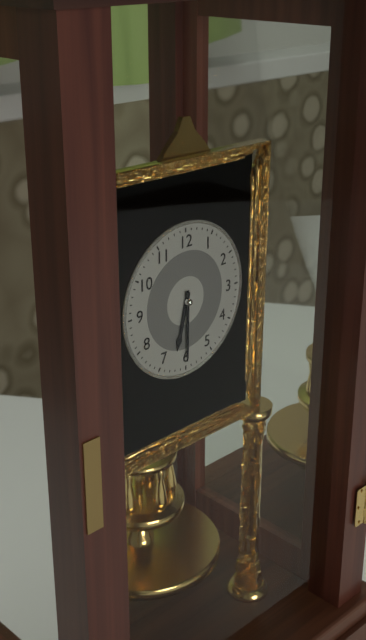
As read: h=6 m=30
